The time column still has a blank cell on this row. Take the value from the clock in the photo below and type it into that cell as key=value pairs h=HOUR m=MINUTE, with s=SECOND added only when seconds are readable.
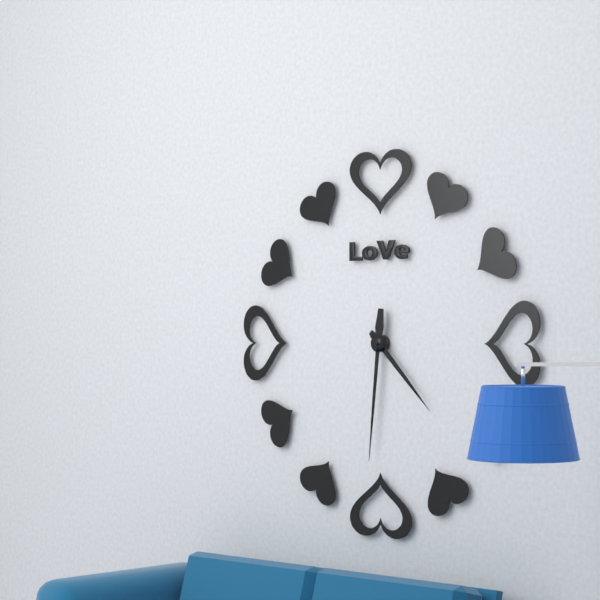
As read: h=4 m=31
